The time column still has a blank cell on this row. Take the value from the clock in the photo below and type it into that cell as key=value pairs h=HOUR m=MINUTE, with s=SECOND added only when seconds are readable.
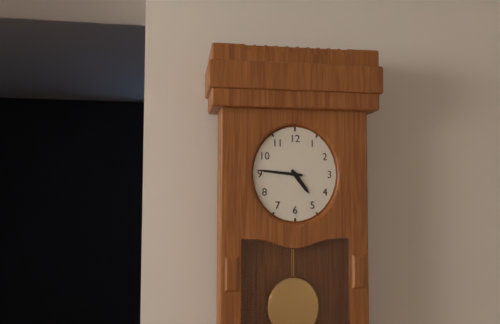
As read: h=4 m=46
